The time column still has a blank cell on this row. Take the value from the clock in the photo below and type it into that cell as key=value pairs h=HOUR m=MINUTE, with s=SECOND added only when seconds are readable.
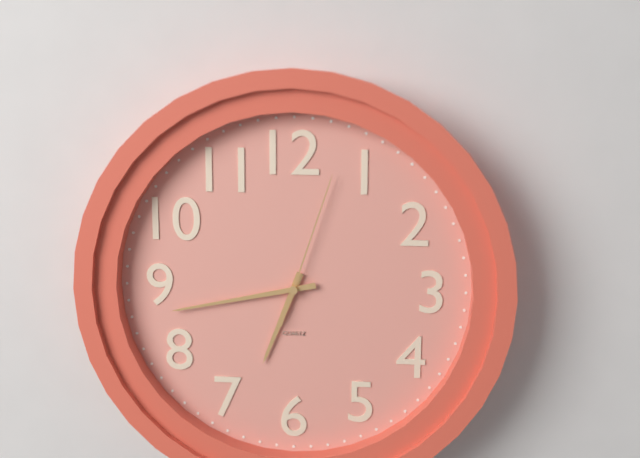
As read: h=6 m=43 s=3
